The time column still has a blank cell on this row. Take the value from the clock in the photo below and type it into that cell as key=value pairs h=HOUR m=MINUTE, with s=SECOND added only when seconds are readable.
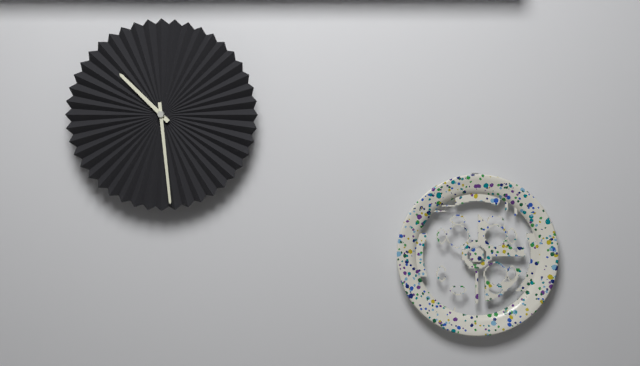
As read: h=10 m=29
